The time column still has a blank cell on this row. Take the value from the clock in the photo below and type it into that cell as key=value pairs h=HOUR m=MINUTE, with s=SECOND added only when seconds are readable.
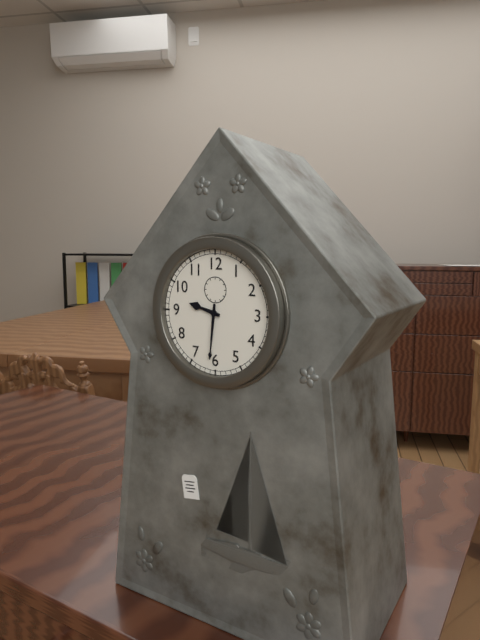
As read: h=9 m=31
